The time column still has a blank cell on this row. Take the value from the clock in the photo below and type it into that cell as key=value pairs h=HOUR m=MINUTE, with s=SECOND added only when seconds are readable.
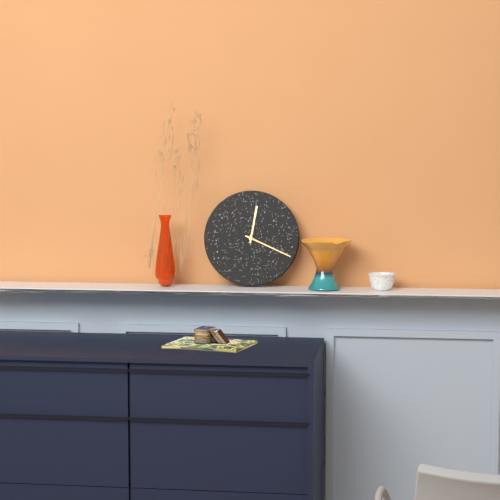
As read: h=12 m=19
